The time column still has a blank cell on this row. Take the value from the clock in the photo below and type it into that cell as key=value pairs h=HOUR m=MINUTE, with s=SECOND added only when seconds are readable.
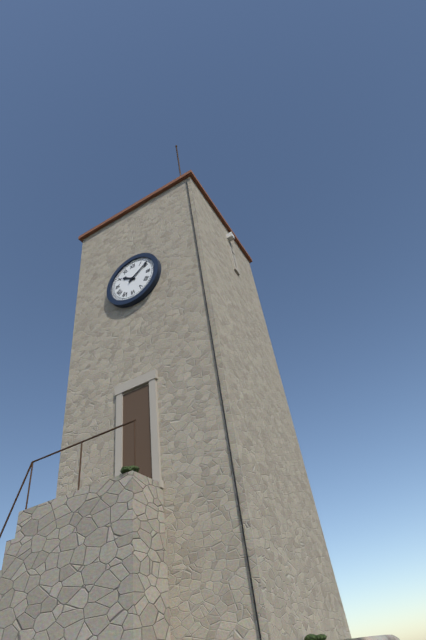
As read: h=10 m=9
